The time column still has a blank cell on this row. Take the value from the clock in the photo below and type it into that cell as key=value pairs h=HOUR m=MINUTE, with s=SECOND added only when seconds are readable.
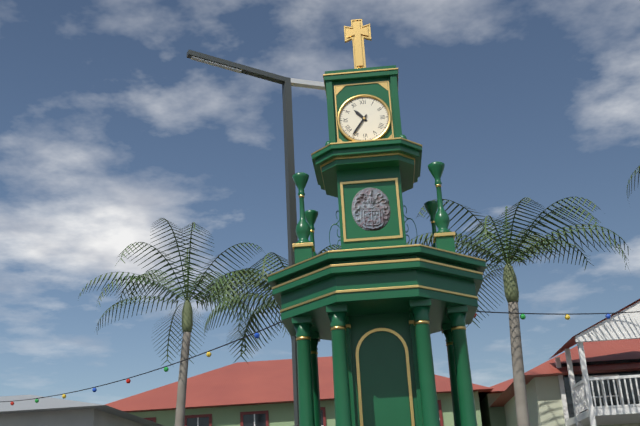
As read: h=10 m=36
